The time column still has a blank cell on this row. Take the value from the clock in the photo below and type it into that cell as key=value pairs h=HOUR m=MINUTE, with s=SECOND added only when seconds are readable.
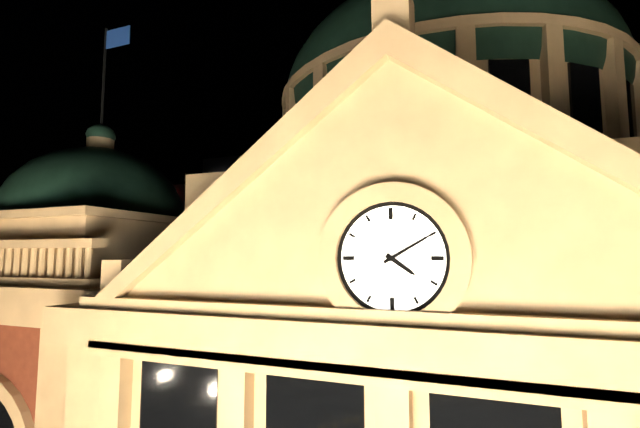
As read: h=4 m=10
